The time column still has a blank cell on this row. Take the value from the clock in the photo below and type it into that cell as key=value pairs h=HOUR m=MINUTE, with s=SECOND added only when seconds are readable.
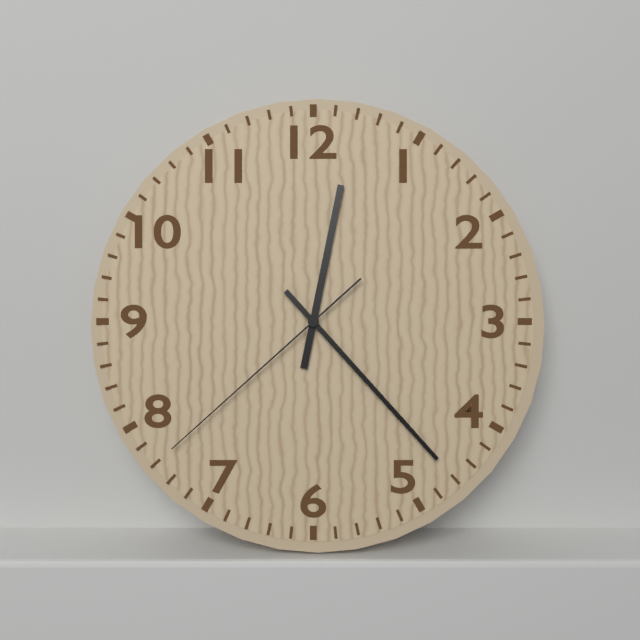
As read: h=12 m=23 s=38
